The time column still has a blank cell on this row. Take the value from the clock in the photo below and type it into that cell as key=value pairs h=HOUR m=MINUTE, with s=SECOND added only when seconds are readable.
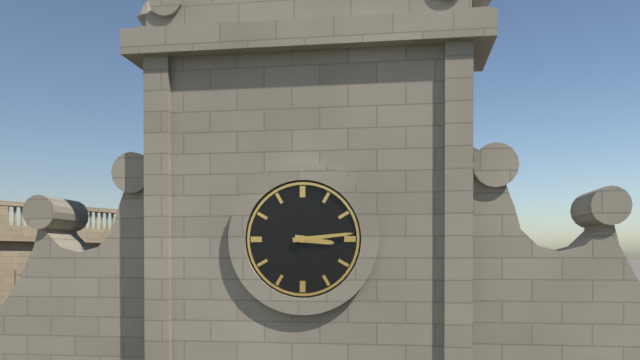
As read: h=3 m=14
